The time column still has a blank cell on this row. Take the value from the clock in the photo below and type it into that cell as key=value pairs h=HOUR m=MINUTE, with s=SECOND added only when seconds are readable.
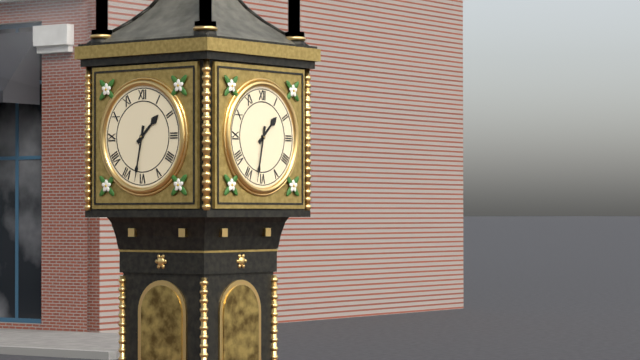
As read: h=1 m=32
